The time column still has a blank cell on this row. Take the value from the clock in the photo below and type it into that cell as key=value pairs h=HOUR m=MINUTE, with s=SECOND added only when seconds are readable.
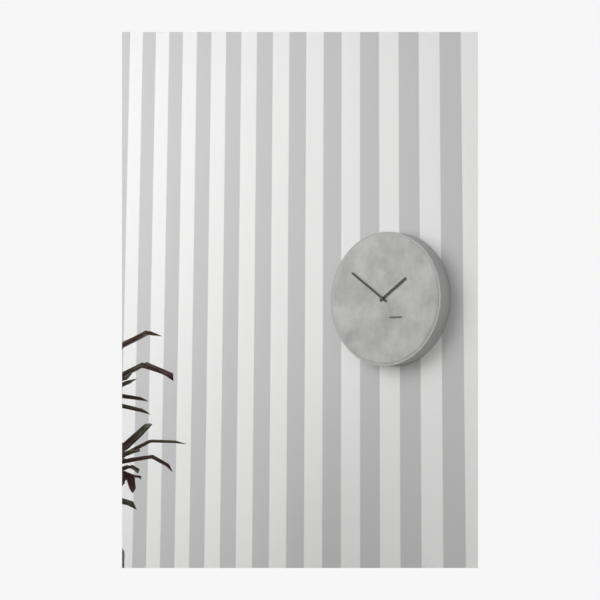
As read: h=1 m=51
